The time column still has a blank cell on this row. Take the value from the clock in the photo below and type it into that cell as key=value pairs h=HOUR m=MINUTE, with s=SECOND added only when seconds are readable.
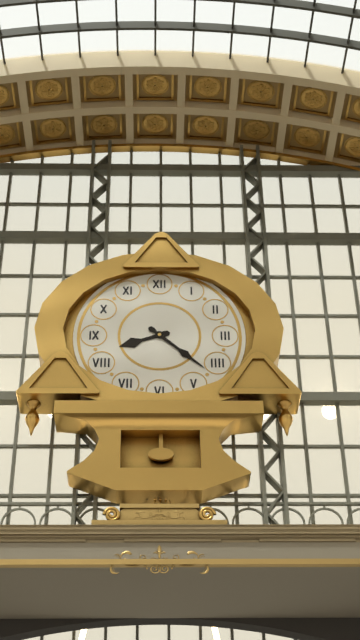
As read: h=8 m=22
